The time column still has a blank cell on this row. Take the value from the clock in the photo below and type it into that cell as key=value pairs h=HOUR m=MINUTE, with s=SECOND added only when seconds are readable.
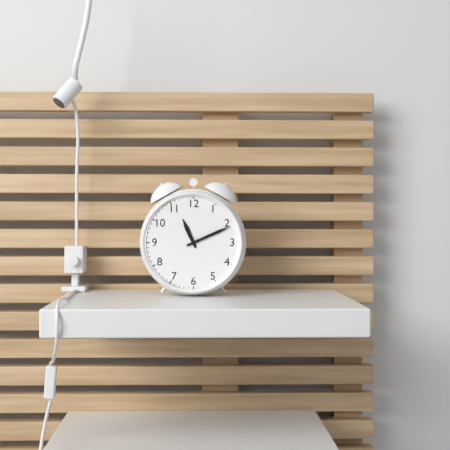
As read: h=11 m=11
